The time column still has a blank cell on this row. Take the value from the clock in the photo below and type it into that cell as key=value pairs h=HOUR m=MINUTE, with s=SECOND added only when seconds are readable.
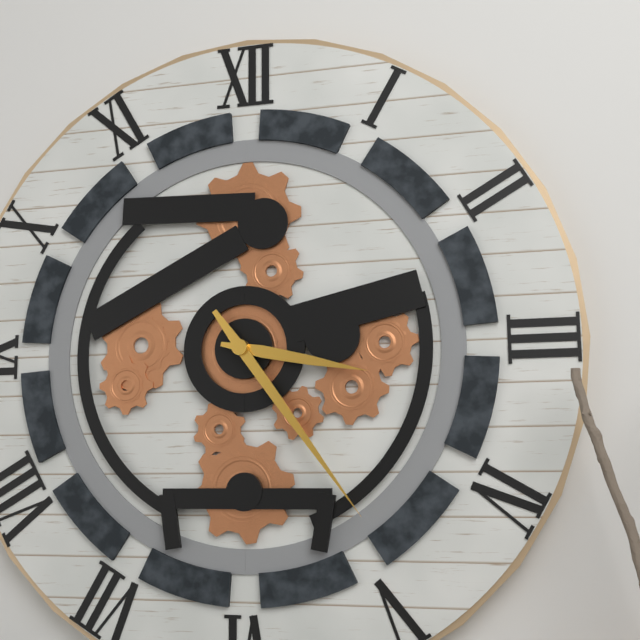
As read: h=3 m=24
